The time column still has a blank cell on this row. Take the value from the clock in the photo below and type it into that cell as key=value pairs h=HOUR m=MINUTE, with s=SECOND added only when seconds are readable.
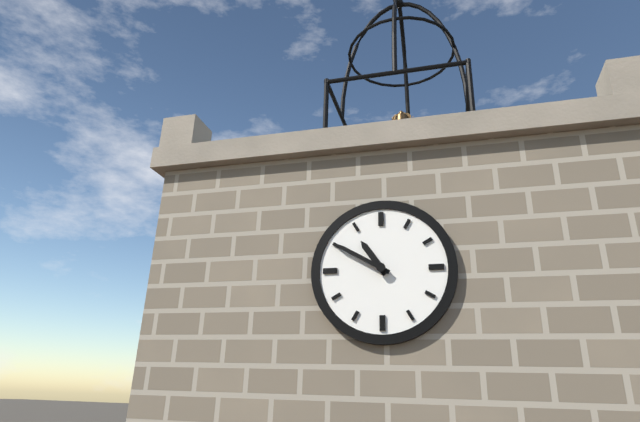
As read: h=10 m=50
